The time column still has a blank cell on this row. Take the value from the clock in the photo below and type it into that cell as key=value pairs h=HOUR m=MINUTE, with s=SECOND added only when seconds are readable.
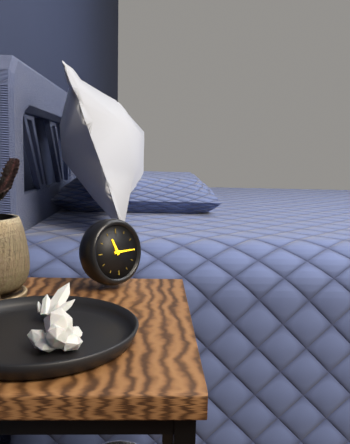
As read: h=11 m=15
